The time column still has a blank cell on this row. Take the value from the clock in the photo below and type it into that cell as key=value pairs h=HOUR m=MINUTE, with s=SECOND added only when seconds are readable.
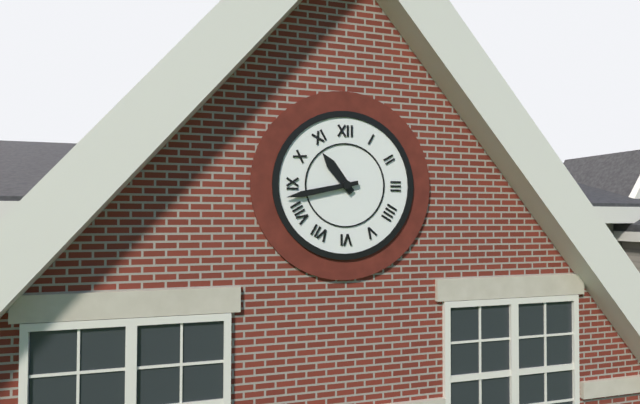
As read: h=10 m=43
